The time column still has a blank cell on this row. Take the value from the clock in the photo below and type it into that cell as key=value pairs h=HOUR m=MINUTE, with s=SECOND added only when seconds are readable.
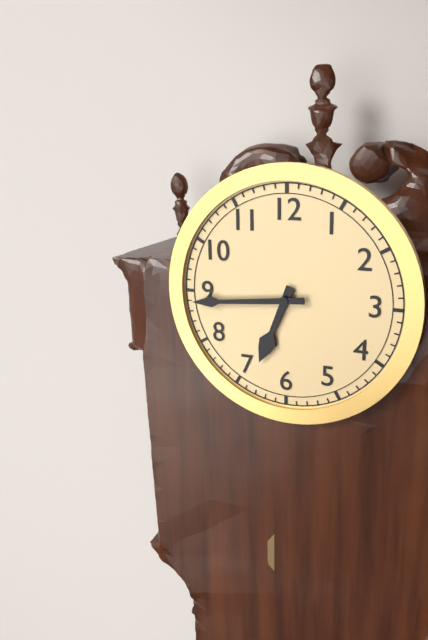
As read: h=6 m=44
